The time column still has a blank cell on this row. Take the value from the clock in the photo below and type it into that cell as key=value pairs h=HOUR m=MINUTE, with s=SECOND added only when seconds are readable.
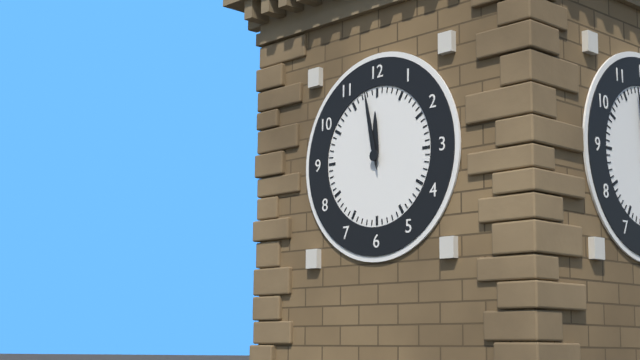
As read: h=11 m=58
